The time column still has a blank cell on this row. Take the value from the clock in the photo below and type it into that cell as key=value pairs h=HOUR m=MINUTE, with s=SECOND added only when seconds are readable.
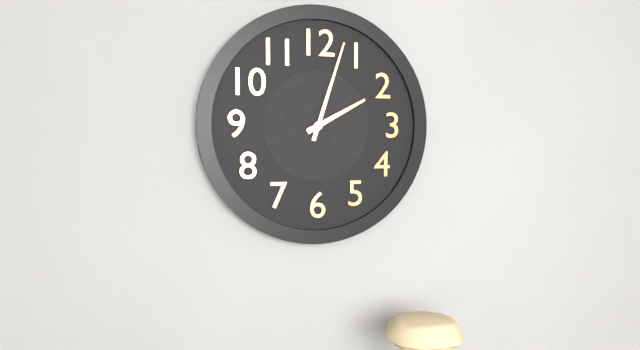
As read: h=2 m=3
